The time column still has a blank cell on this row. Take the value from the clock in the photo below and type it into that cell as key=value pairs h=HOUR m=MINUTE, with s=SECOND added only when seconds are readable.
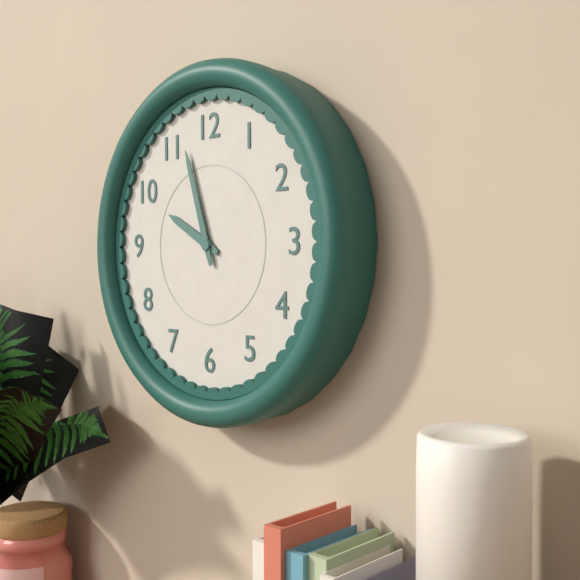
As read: h=9 m=57
